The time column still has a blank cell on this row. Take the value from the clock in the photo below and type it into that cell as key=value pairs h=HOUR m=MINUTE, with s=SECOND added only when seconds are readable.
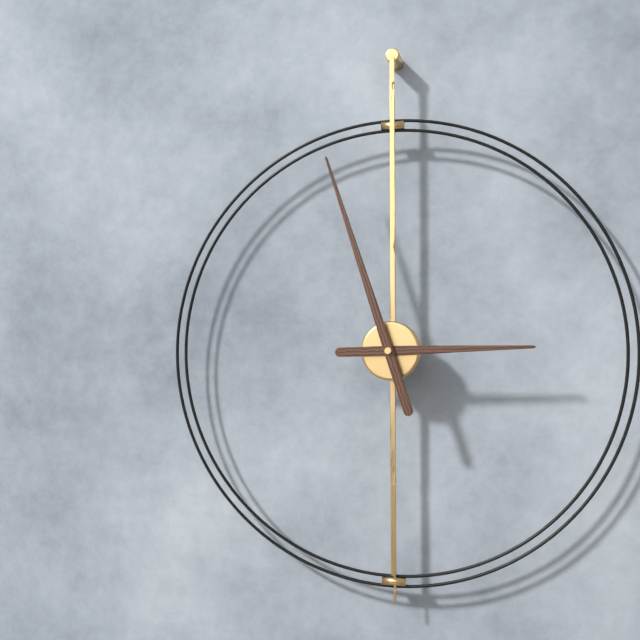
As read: h=2 m=57
